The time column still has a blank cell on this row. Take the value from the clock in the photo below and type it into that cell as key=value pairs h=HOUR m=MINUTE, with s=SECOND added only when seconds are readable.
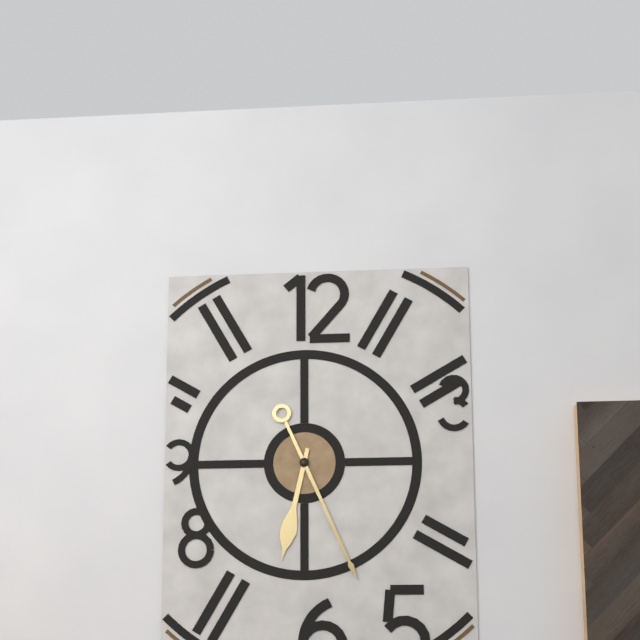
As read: h=6 m=26
